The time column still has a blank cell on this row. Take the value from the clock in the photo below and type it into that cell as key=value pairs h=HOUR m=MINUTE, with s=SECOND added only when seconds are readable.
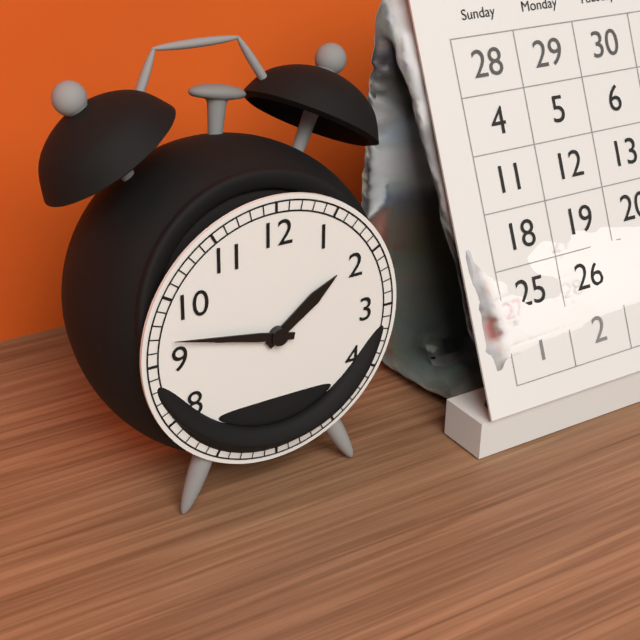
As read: h=1 m=47
